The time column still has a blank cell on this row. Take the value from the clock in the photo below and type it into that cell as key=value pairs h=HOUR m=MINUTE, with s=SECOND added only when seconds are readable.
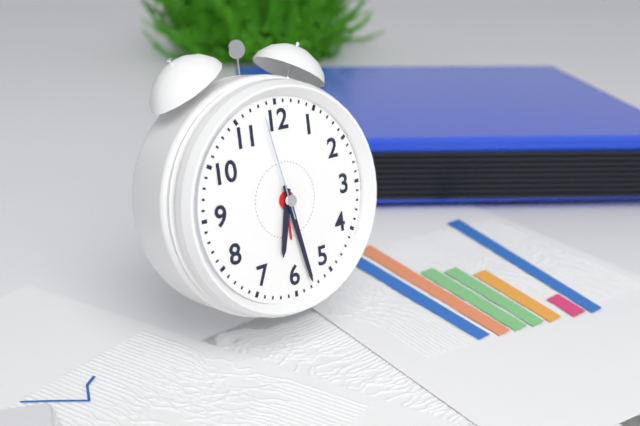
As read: h=6 m=28 s=58
